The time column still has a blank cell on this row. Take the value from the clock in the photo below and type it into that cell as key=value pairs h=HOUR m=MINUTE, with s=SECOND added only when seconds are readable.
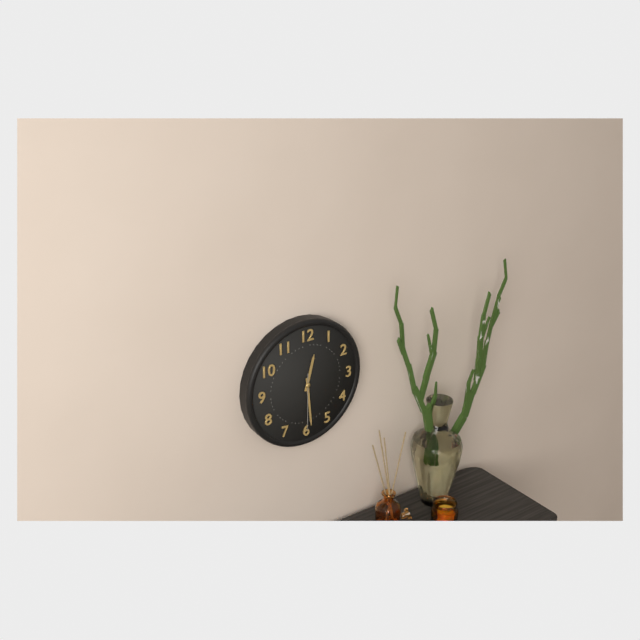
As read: h=12 m=29 s=30
